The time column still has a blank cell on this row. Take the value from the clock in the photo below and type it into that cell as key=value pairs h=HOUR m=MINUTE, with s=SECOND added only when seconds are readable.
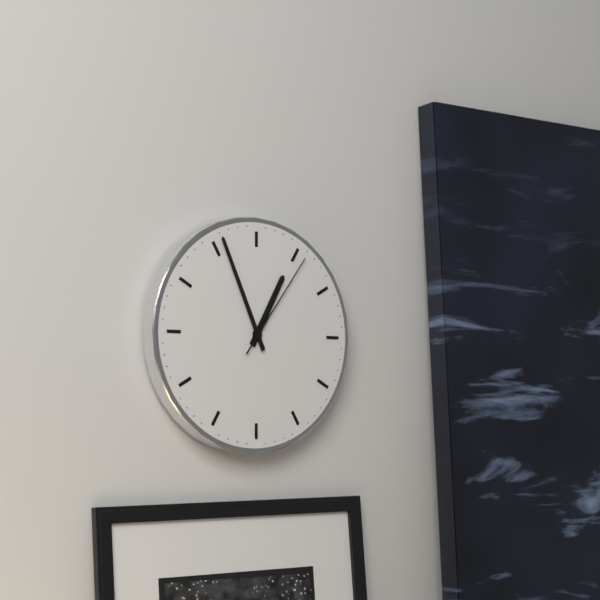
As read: h=12 m=56 s=6
